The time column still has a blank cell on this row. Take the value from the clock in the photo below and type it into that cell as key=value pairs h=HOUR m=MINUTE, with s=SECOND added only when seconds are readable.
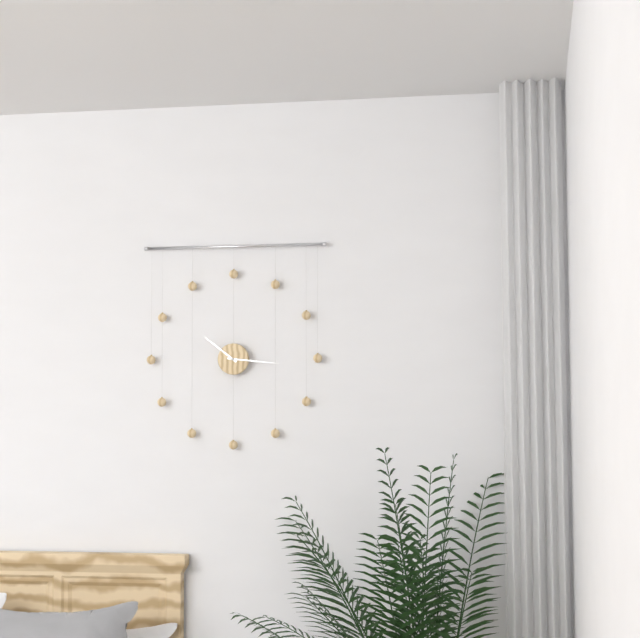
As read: h=10 m=16
